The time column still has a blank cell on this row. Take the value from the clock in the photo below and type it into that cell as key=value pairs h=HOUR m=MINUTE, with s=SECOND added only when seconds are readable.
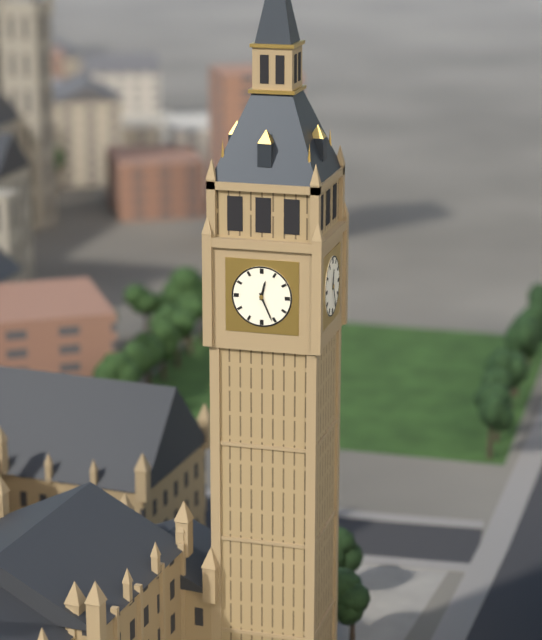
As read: h=12 m=26
